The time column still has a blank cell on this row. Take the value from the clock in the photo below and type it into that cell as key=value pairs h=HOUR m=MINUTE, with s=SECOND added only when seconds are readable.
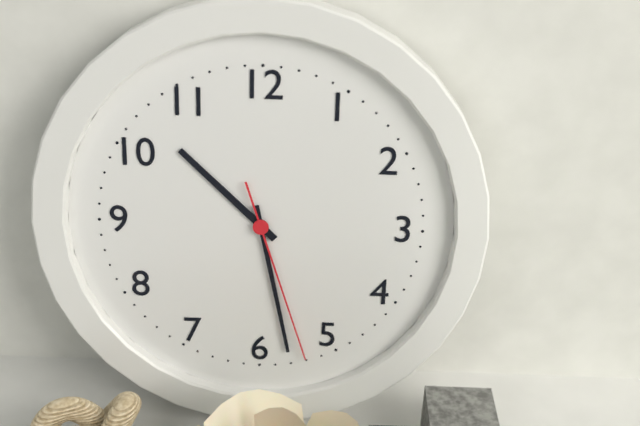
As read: h=10 m=28 s=27
